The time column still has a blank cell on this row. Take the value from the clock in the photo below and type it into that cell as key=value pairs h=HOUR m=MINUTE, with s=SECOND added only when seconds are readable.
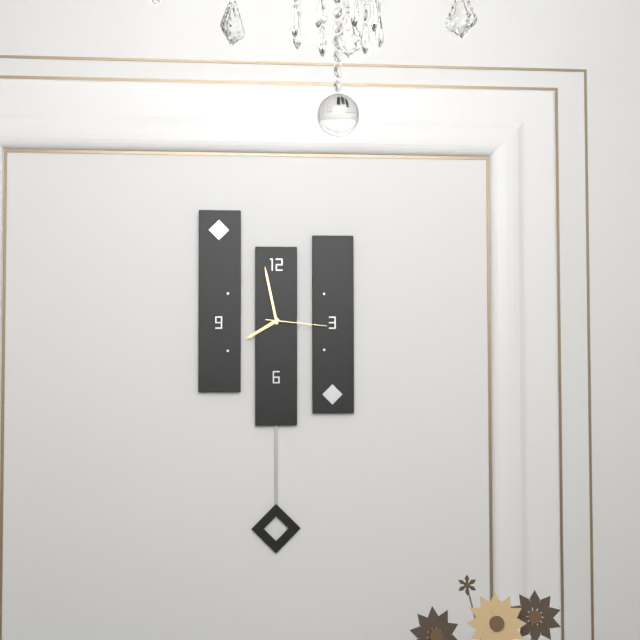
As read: h=7 m=58 s=16
